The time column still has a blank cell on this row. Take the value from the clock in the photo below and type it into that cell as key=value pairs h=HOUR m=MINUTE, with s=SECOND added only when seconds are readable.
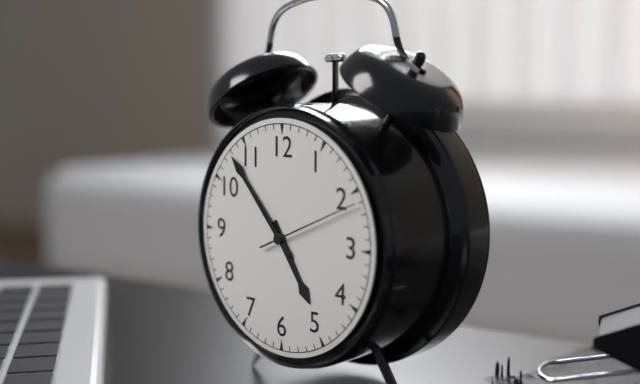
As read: h=4 m=53 s=11
